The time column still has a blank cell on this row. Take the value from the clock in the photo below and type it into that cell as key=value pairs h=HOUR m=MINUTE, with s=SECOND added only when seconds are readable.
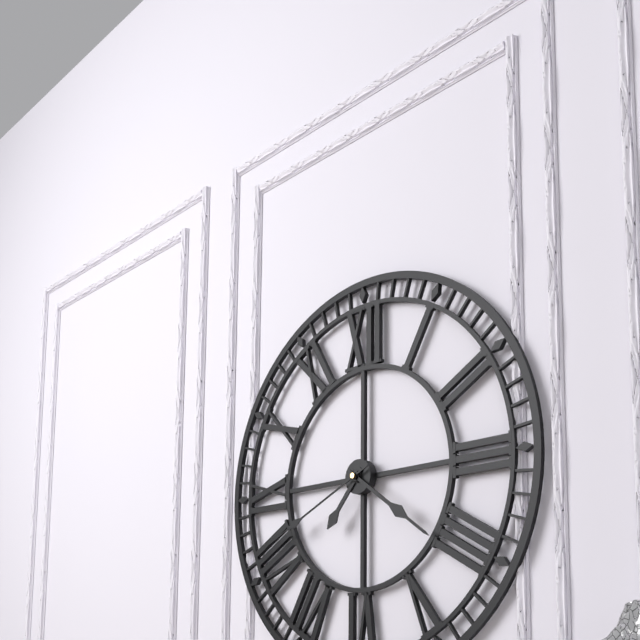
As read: h=7 m=21 s=41
